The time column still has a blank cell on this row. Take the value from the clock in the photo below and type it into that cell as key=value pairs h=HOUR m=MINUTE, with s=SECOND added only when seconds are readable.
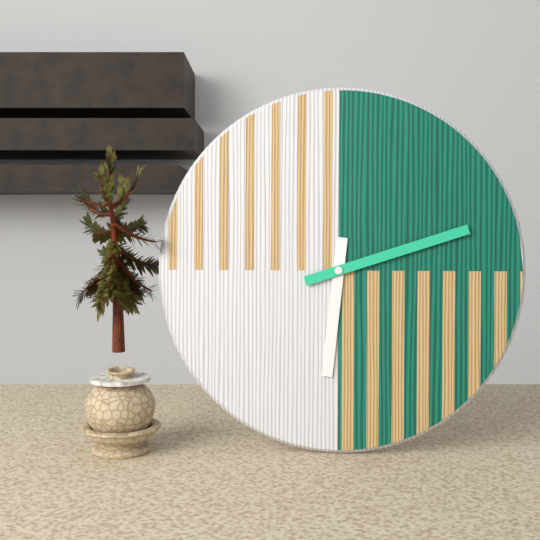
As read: h=6 m=12
